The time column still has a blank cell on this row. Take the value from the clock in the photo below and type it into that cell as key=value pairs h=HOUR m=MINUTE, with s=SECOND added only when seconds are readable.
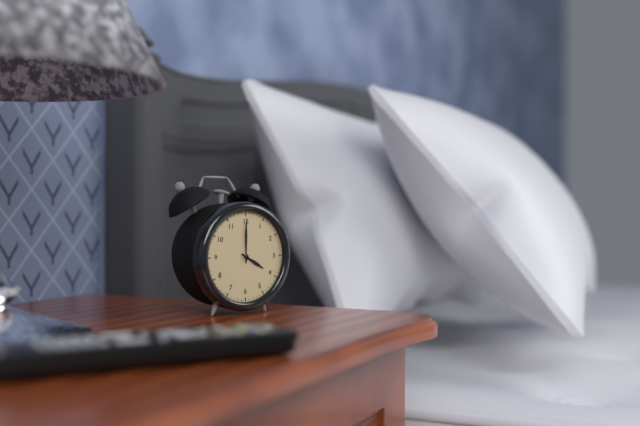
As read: h=4 m=0
